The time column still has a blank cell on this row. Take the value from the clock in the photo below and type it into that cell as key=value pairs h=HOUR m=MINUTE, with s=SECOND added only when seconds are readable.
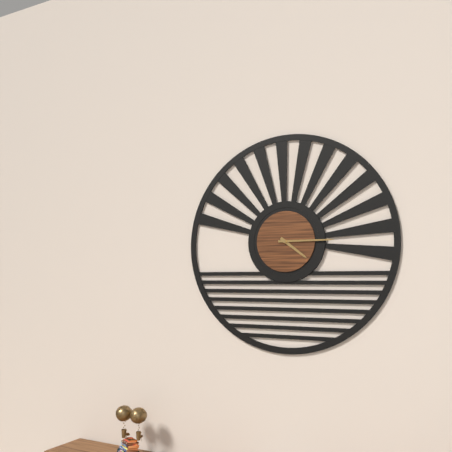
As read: h=4 m=15
